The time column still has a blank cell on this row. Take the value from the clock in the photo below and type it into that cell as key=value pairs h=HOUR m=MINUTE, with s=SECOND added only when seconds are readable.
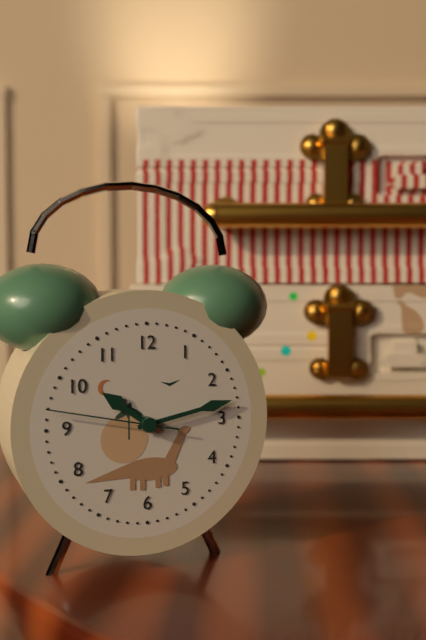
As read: h=10 m=13 s=47
